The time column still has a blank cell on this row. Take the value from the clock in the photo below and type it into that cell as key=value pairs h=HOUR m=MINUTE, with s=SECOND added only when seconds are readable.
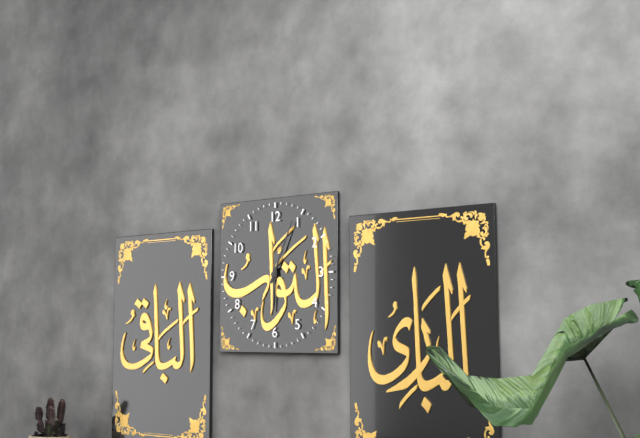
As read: h=6 m=4
